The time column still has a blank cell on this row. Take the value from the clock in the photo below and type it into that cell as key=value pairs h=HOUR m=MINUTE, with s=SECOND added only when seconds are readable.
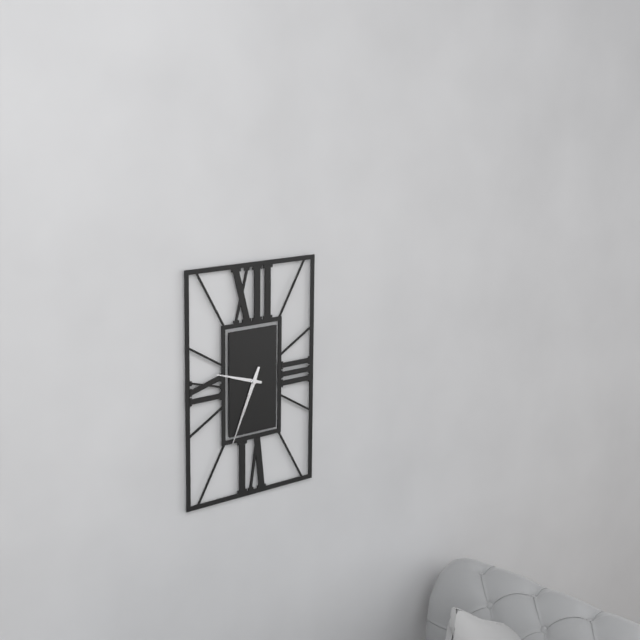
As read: h=9 m=34
